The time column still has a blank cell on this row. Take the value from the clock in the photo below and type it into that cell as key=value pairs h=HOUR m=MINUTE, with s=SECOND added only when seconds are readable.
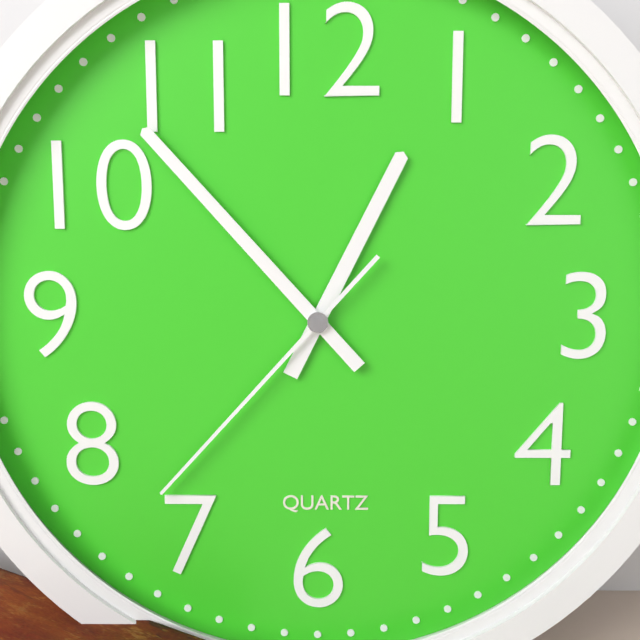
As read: h=12 m=53 s=37
